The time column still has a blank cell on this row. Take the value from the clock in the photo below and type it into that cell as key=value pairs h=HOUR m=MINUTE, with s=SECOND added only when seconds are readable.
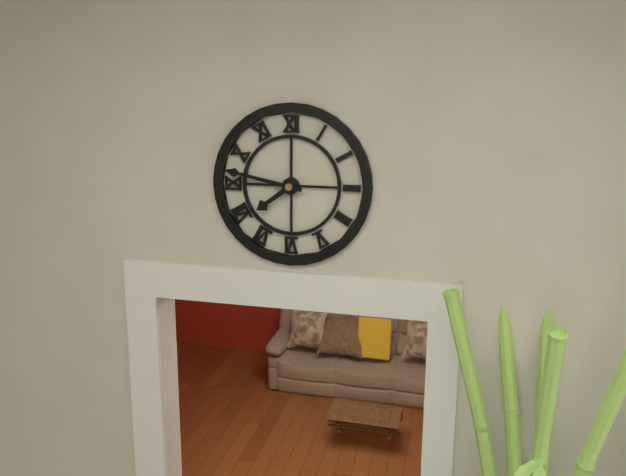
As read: h=7 m=47
